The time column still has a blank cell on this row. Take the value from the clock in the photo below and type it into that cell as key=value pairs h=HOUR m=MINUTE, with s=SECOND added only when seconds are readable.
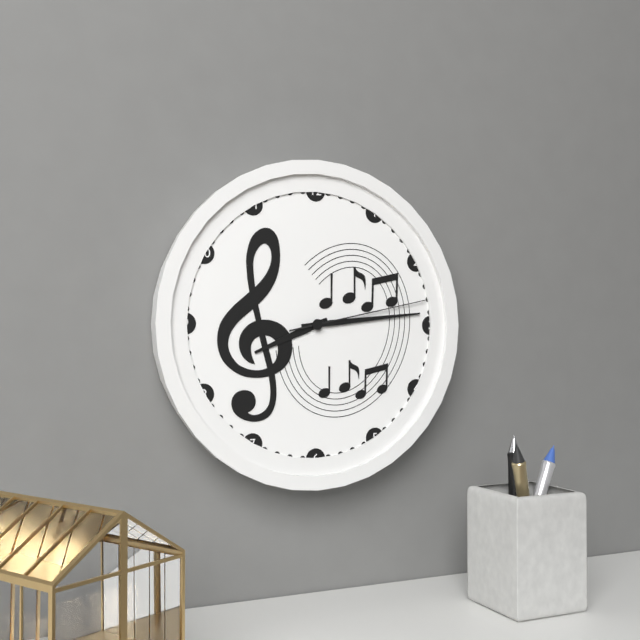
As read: h=8 m=14 s=13
